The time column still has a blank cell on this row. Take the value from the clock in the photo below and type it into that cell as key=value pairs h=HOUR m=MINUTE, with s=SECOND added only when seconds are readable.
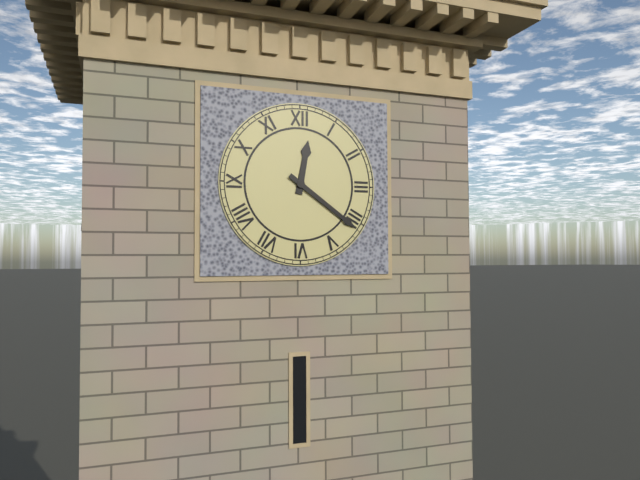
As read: h=12 m=21
